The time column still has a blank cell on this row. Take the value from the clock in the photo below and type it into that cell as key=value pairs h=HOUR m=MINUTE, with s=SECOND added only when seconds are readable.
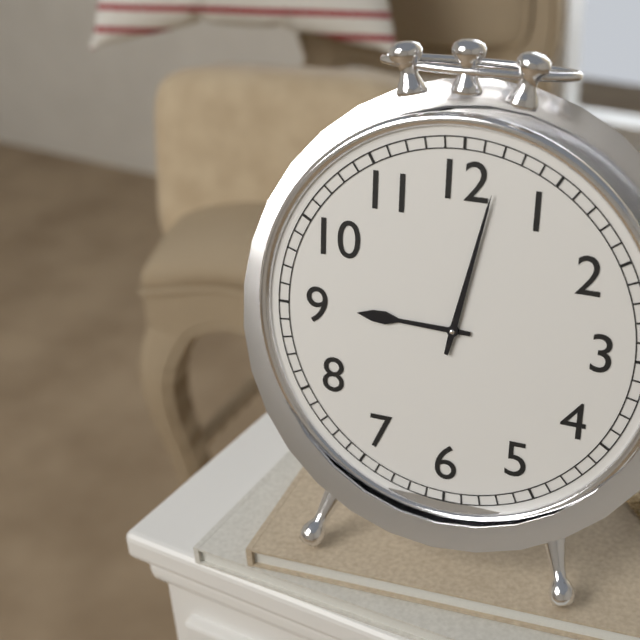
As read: h=9 m=2
